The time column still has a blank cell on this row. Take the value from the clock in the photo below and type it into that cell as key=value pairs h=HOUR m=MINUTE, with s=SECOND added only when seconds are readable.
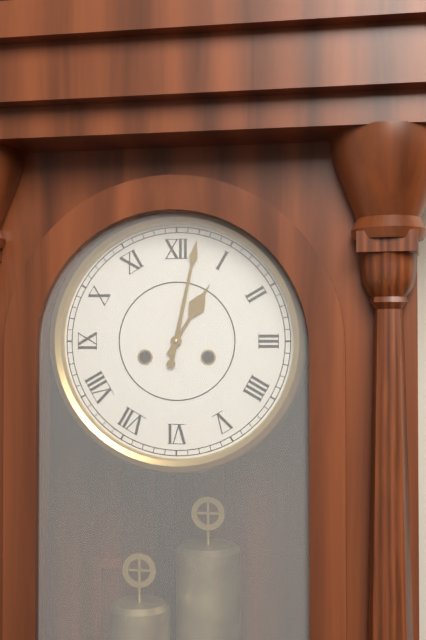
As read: h=1 m=2
